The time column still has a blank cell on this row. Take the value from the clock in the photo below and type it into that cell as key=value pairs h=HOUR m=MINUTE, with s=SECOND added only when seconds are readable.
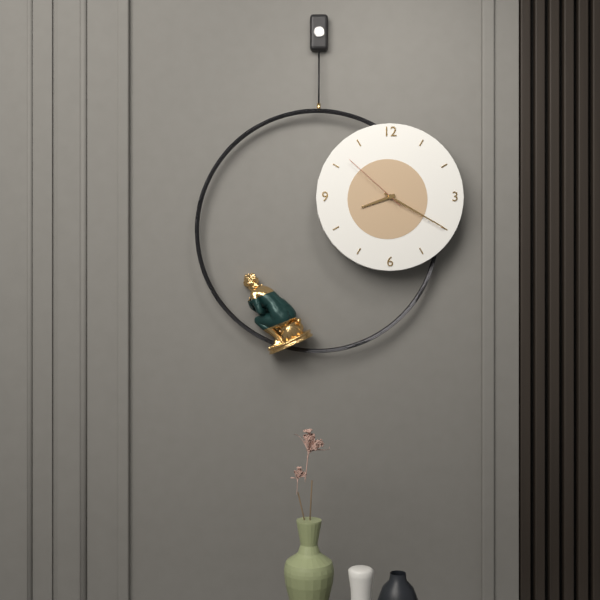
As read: h=8 m=20 s=52
